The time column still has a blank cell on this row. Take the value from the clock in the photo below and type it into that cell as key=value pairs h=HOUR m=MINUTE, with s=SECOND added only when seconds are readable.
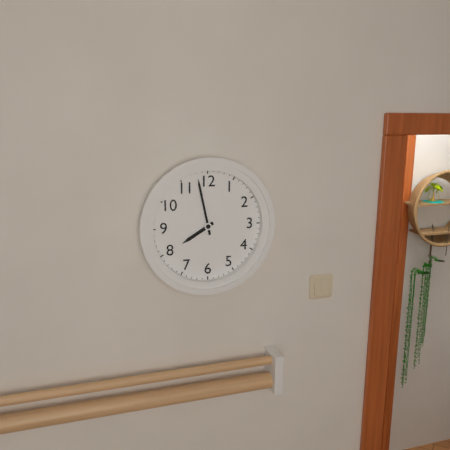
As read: h=7 m=58
